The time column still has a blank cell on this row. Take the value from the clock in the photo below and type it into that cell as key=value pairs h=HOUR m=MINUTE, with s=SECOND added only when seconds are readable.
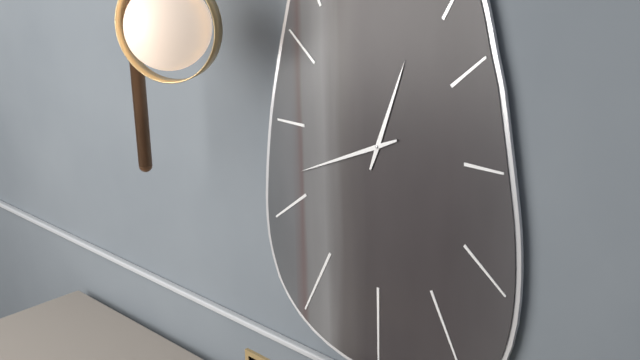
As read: h=12 m=41
